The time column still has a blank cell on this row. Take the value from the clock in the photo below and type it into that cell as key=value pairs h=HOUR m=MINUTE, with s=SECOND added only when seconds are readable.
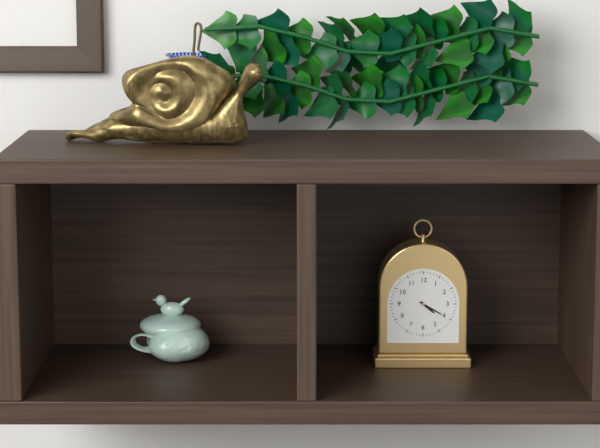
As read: h=4 m=20
